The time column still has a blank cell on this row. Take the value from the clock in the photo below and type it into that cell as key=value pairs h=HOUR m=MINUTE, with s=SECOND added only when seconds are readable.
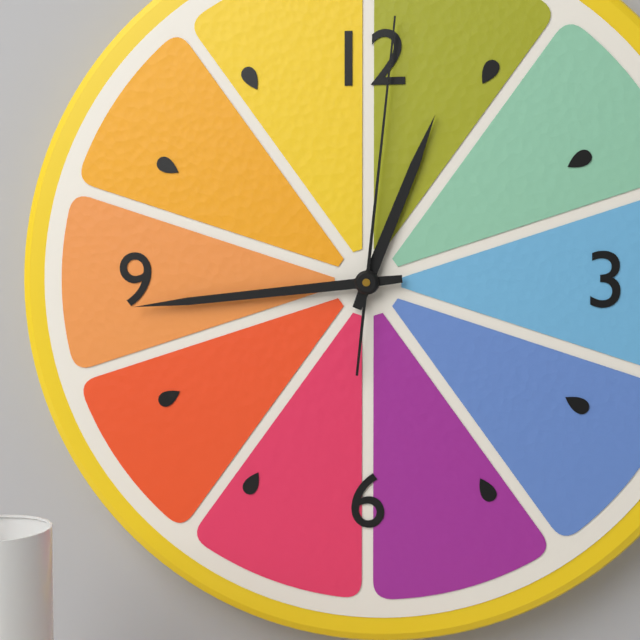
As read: h=12 m=44 s=1
